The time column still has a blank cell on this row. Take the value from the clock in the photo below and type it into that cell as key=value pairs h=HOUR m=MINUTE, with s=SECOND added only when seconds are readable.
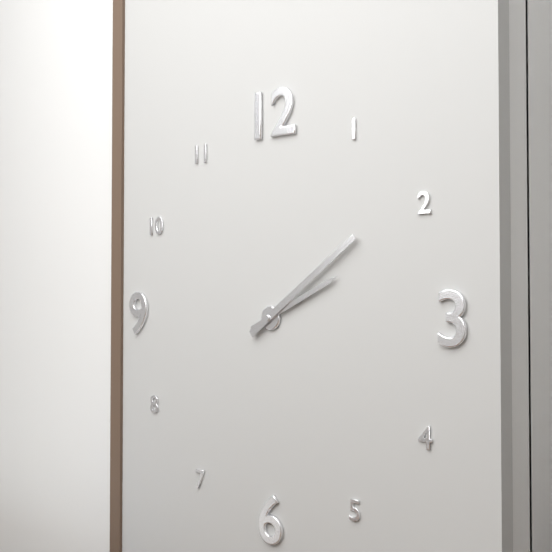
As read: h=2 m=9
